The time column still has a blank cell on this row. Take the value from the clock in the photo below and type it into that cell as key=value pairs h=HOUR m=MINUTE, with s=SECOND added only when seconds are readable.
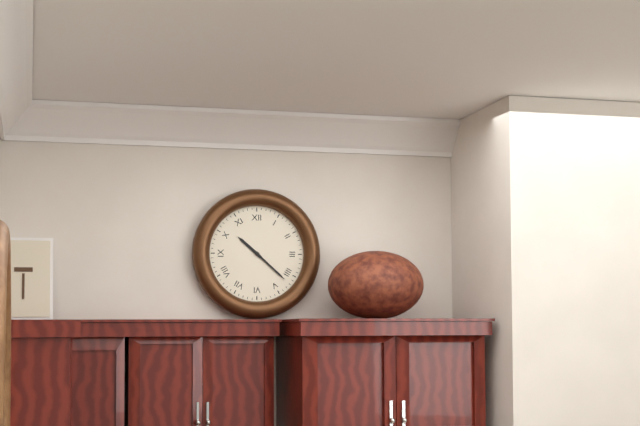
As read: h=10 m=22
